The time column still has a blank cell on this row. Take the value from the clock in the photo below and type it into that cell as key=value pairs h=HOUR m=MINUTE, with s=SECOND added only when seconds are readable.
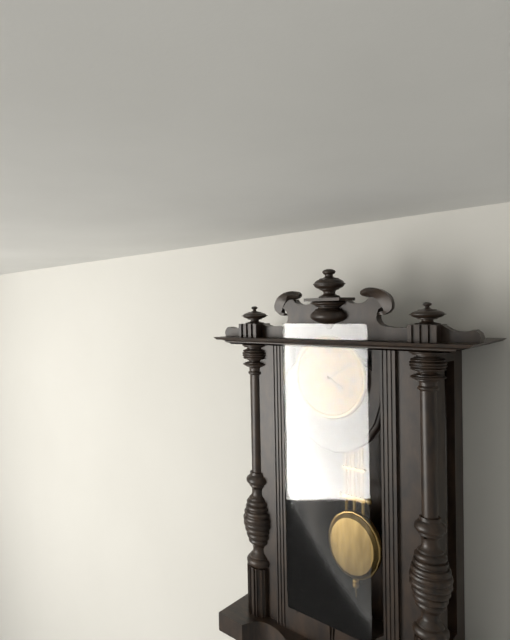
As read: h=4 m=10
